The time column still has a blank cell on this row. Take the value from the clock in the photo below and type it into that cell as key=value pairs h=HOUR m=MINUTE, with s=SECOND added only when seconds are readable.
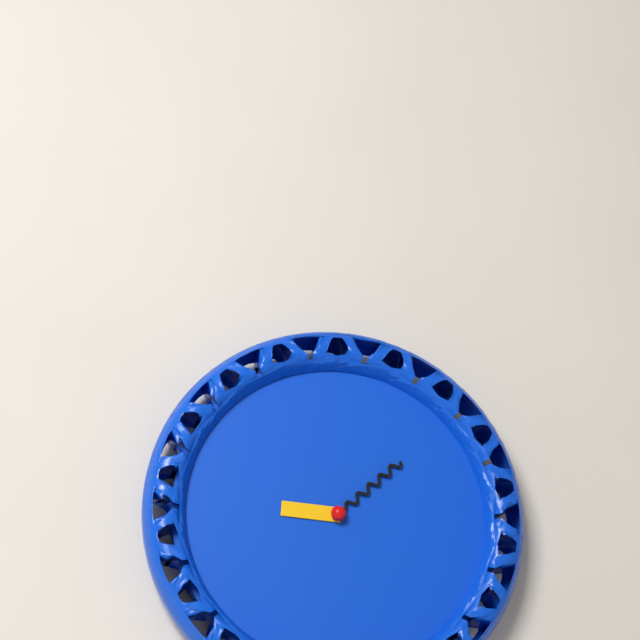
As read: h=9 m=8
